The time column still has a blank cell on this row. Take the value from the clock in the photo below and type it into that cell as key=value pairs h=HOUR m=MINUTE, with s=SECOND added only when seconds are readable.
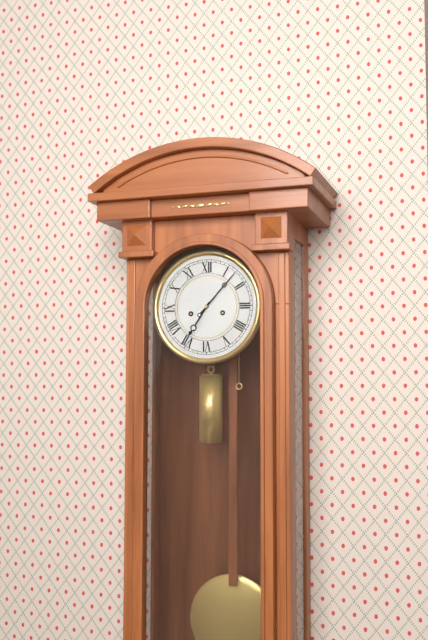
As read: h=7 m=7
